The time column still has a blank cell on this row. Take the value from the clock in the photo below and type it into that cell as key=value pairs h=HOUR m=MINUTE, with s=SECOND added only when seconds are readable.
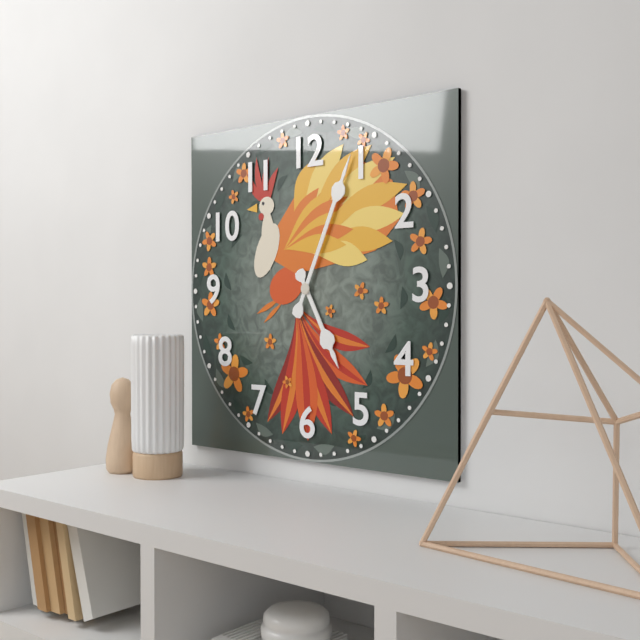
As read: h=5 m=4
